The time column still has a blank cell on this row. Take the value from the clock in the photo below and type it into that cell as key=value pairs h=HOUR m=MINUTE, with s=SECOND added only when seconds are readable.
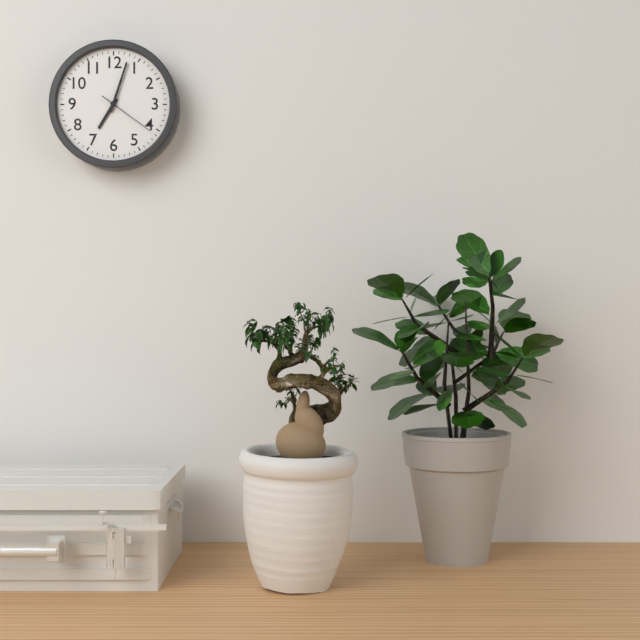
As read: h=7 m=3
